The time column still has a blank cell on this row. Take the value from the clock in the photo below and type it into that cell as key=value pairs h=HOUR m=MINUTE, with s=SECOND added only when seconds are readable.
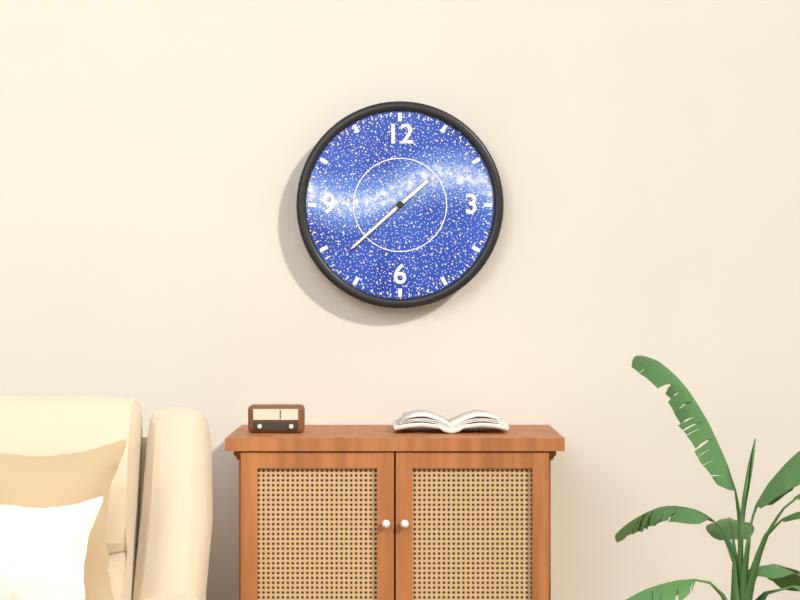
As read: h=1 m=38
